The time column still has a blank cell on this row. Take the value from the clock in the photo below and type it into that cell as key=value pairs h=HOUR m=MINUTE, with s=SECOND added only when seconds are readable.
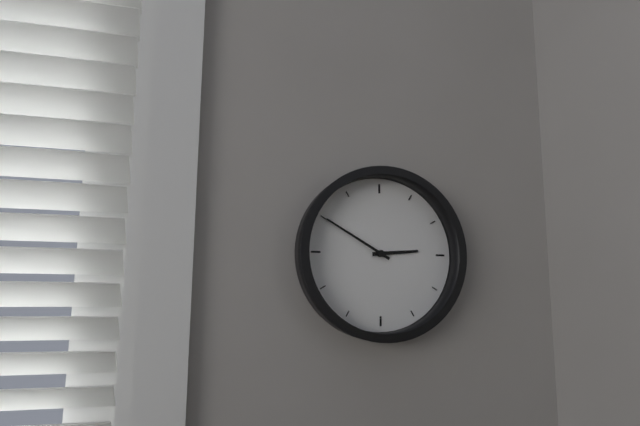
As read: h=2 m=50
